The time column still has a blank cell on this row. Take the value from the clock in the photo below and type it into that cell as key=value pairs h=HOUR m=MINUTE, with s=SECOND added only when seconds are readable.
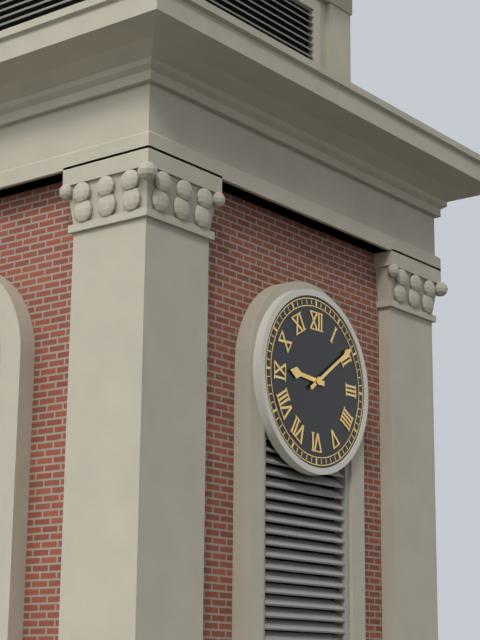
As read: h=9 m=9
